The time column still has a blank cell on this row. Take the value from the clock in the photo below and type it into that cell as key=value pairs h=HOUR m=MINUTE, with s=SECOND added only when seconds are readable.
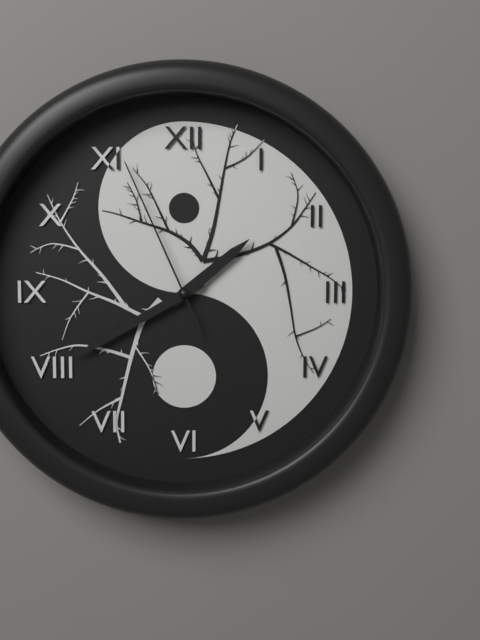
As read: h=1 m=40 s=56
